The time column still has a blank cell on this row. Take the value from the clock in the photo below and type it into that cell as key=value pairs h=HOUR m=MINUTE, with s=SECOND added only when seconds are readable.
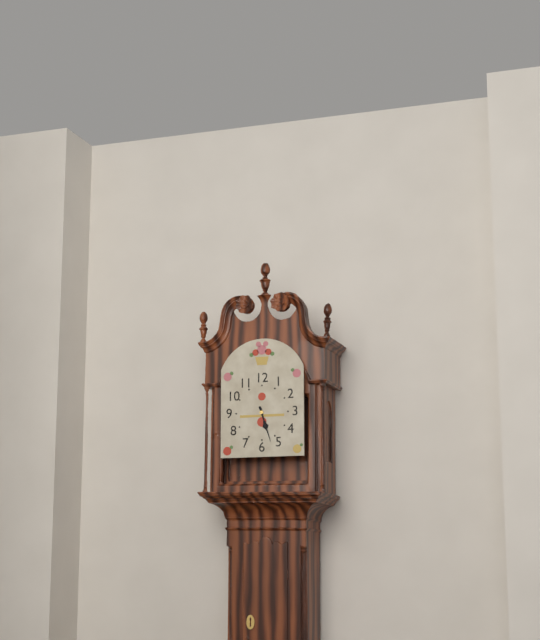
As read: h=5 m=27
